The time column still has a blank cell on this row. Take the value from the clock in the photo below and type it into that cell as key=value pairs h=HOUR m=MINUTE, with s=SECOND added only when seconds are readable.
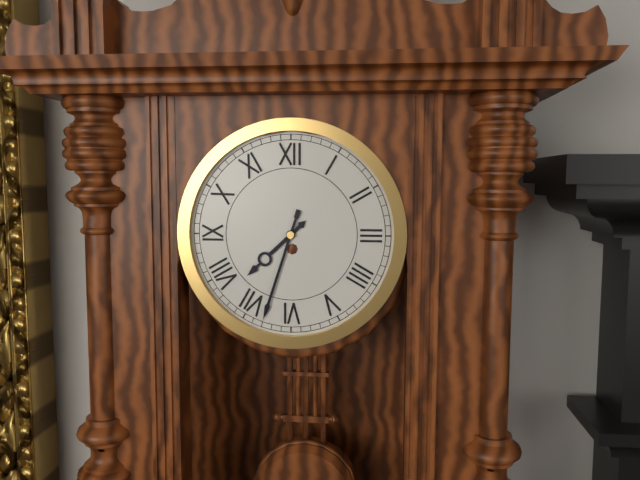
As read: h=7 m=33
